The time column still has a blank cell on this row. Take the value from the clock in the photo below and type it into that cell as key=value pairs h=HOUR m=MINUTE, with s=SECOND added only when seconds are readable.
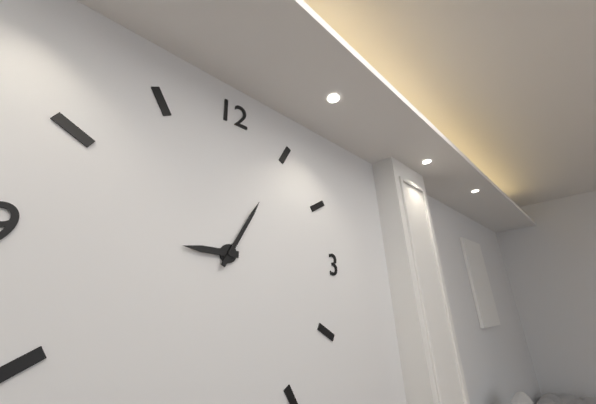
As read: h=9 m=5
